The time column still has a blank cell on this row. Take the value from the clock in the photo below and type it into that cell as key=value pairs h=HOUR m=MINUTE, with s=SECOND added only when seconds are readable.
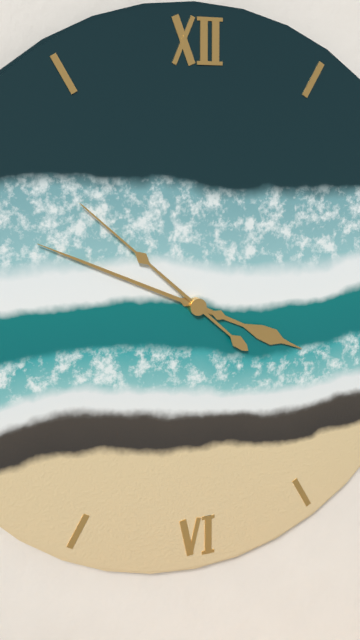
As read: h=3 m=49 s=52
